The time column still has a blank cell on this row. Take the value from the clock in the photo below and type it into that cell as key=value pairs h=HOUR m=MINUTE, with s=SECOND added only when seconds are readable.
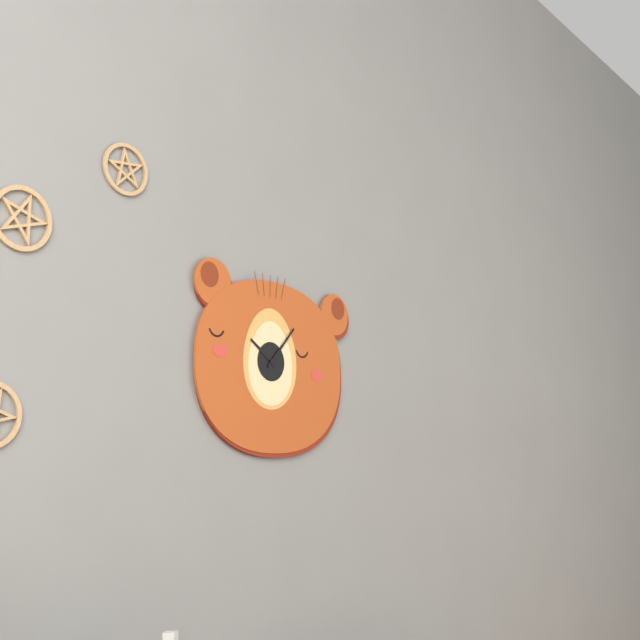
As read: h=10 m=7
